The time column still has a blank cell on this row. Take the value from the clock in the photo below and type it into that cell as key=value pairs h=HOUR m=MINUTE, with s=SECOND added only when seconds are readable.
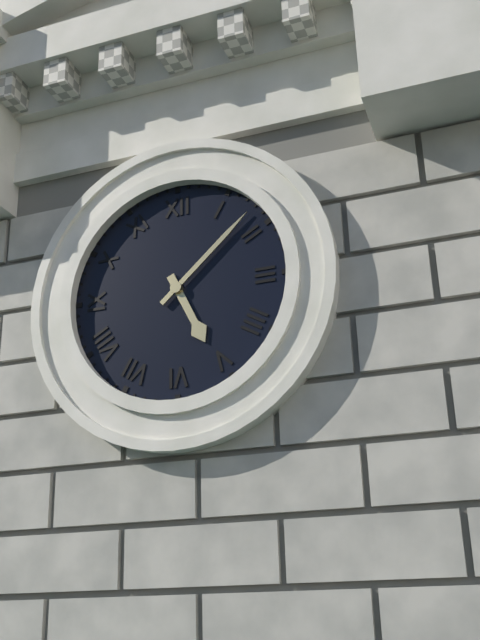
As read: h=5 m=8
